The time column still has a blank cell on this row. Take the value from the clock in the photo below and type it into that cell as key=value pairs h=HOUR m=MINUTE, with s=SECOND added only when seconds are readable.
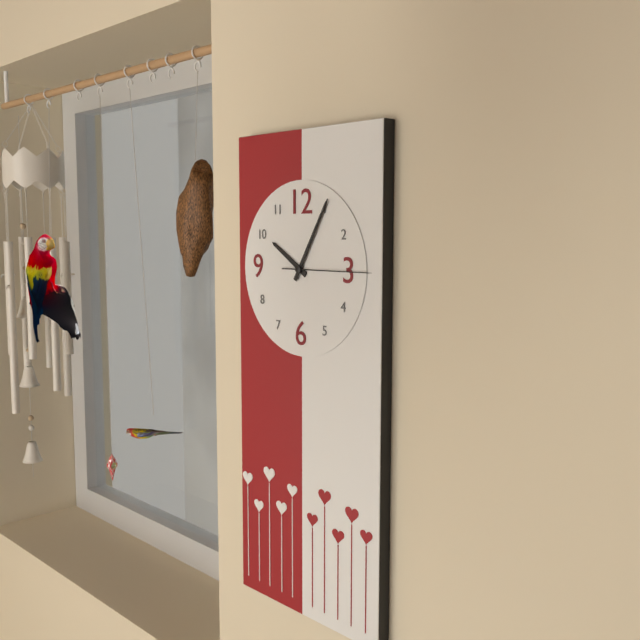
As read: h=10 m=5 s=15
